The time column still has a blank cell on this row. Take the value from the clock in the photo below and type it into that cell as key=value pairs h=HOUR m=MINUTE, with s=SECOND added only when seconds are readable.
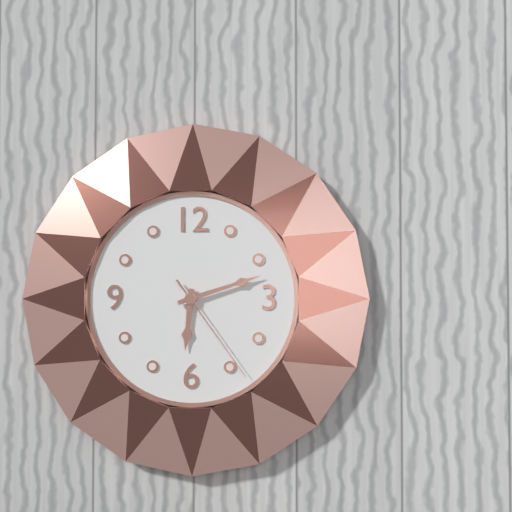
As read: h=6 m=12 s=24
